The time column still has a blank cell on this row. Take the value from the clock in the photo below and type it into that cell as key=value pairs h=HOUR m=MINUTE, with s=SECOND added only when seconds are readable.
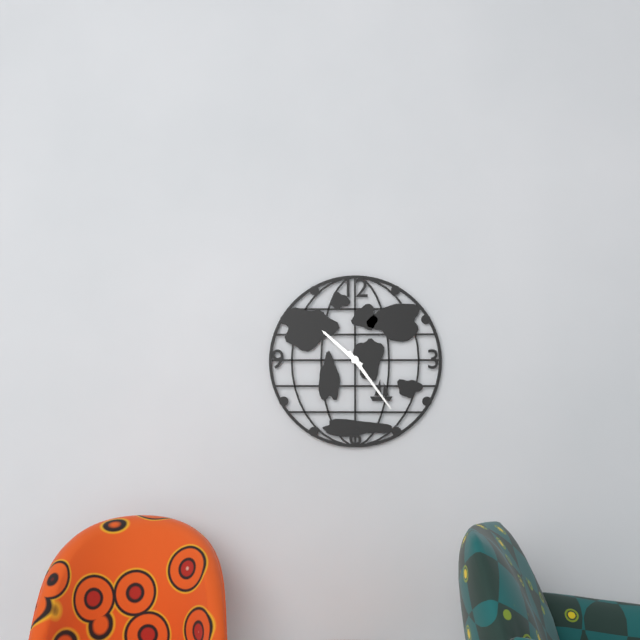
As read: h=10 m=24
